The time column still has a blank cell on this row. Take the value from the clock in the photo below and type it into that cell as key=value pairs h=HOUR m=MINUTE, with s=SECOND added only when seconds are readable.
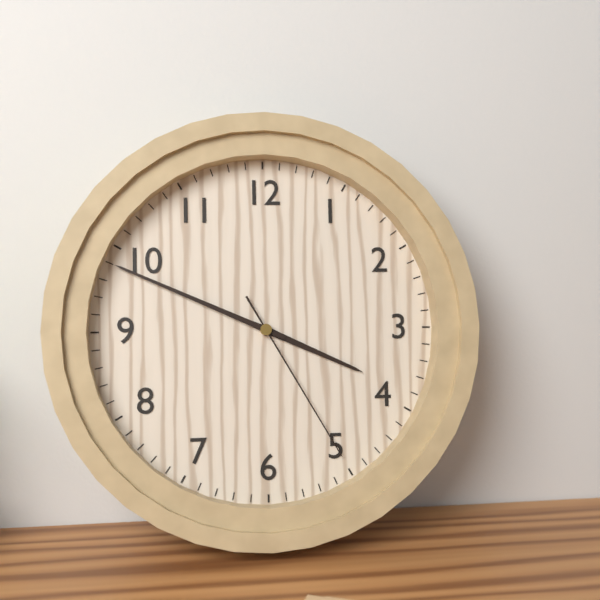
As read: h=3 m=49 s=25
